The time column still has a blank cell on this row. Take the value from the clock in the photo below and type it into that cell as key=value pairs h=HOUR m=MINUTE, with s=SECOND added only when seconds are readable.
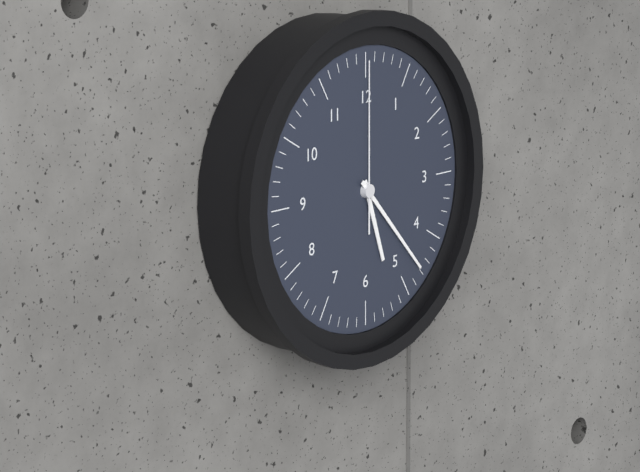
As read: h=5 m=23 s=0
